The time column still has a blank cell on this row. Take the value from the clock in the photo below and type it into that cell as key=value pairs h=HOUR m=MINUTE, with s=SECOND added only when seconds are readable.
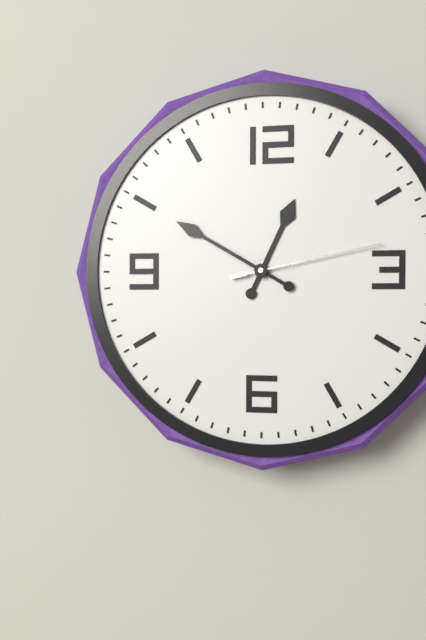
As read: h=12 m=50 s=13
